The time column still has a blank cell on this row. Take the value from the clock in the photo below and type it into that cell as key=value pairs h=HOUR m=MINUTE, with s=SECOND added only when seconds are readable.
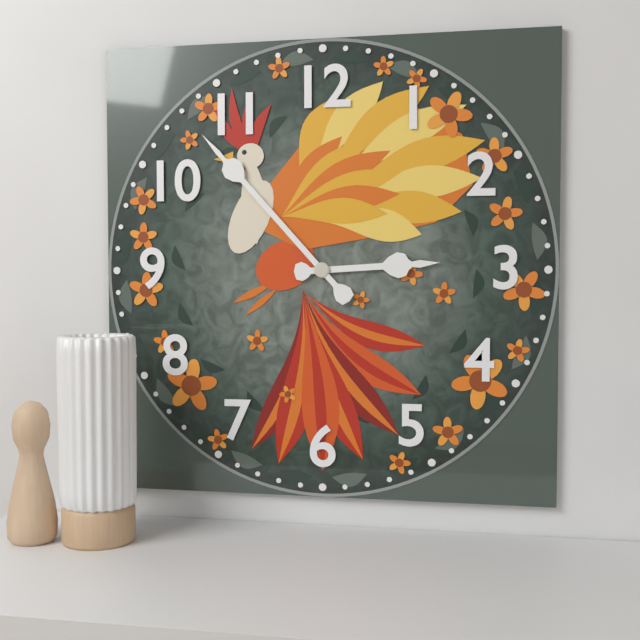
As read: h=2 m=53
